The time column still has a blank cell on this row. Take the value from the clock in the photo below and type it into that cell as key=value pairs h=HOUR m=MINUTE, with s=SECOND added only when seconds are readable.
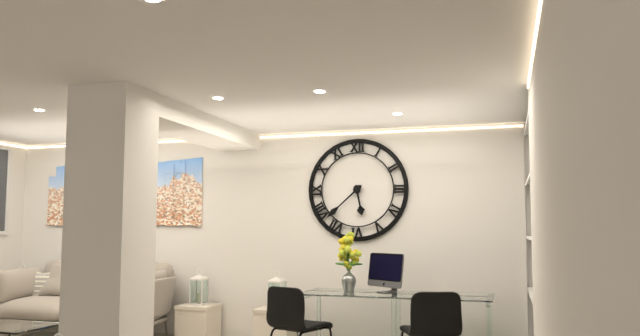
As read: h=5 m=38
